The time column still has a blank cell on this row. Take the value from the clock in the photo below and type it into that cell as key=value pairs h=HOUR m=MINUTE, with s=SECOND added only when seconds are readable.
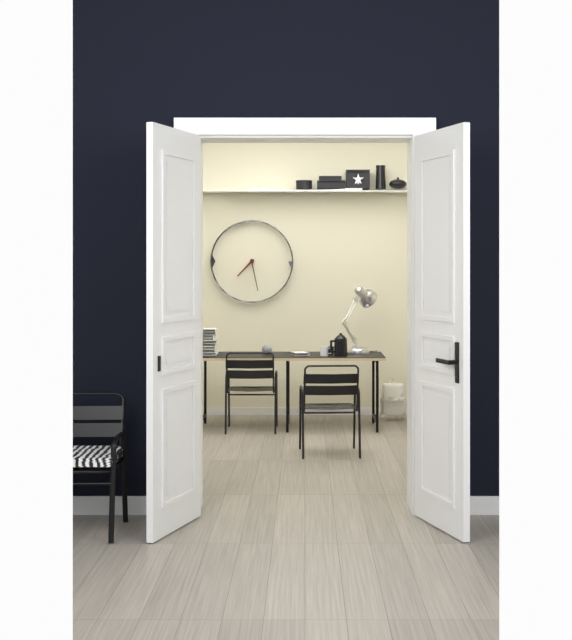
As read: h=7 m=28
